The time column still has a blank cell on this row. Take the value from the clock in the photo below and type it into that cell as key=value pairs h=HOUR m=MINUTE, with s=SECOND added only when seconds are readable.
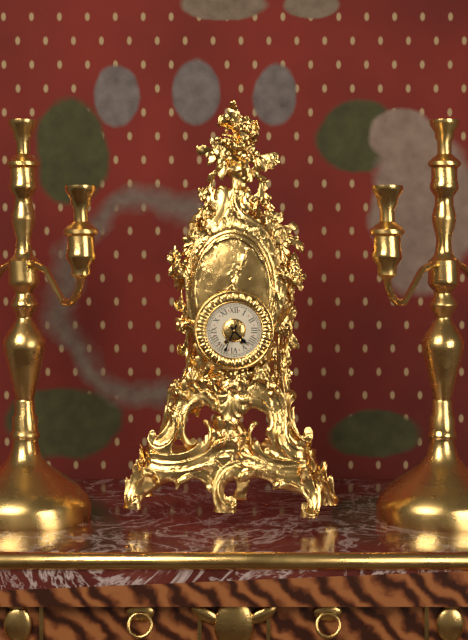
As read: h=4 m=34
